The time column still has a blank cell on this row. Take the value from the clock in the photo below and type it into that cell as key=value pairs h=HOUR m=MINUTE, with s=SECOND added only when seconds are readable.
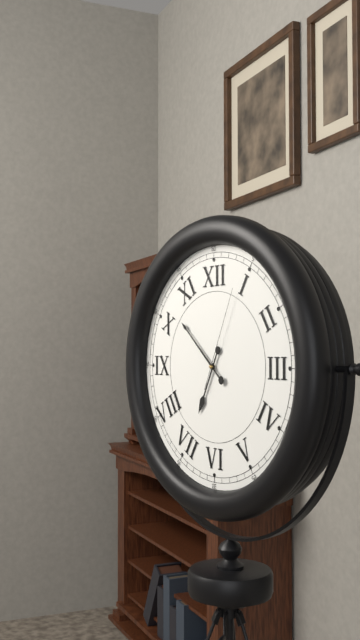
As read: h=6 m=52 s=4
